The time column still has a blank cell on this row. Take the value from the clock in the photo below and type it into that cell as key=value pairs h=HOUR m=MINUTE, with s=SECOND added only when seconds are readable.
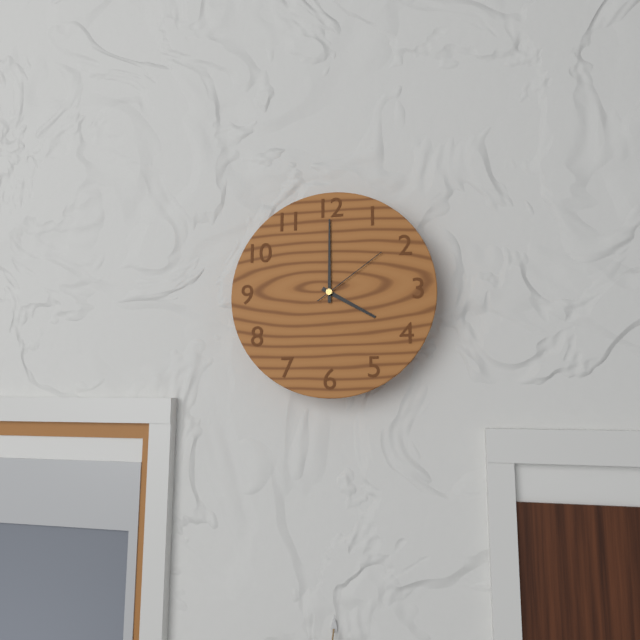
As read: h=4 m=0 s=9
